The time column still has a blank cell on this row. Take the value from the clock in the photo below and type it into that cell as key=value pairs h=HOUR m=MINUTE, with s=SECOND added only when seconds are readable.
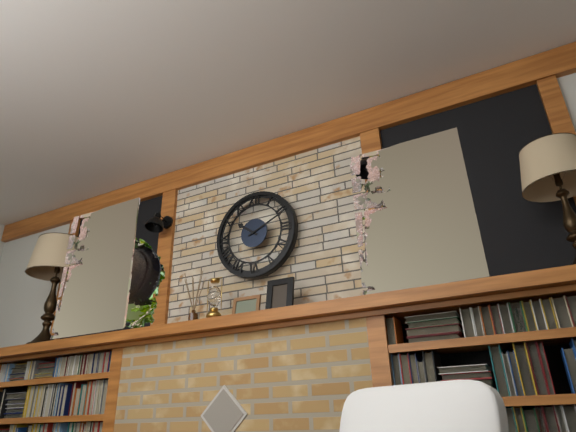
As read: h=10 m=11
